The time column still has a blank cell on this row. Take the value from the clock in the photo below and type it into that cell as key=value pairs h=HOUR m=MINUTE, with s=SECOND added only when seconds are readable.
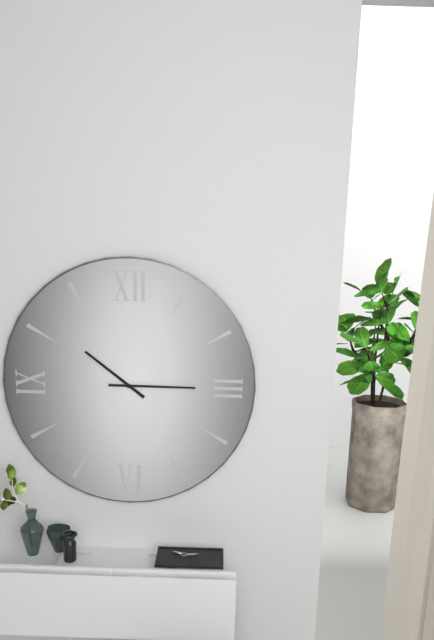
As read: h=10 m=15
